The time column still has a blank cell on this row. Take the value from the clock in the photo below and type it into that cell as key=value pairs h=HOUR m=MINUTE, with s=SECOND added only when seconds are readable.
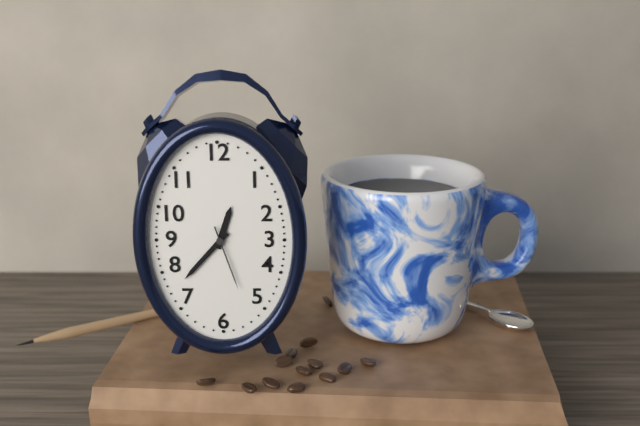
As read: h=12 m=37 s=27
